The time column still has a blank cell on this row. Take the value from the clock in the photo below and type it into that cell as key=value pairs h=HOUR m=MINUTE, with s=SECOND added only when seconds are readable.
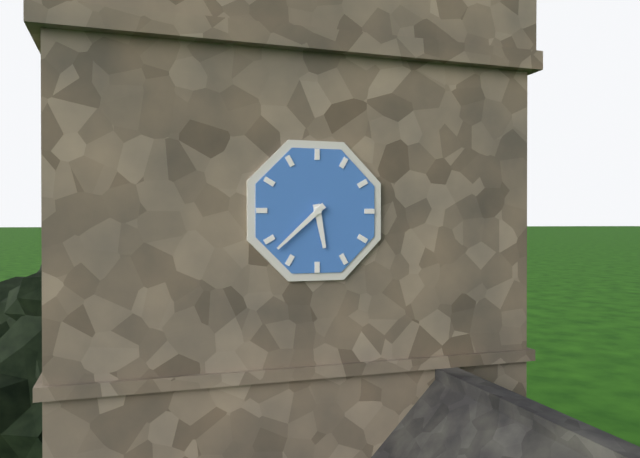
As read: h=5 m=38
